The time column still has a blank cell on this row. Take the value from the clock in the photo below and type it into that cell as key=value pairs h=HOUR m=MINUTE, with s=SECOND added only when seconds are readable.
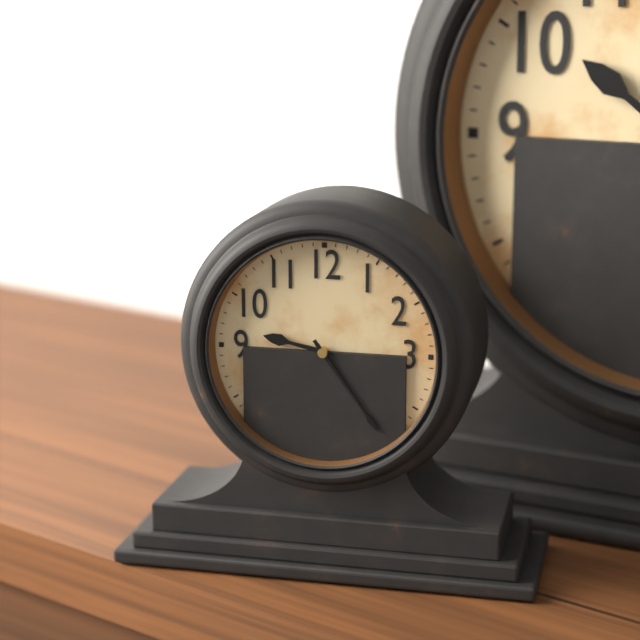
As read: h=9 m=24
